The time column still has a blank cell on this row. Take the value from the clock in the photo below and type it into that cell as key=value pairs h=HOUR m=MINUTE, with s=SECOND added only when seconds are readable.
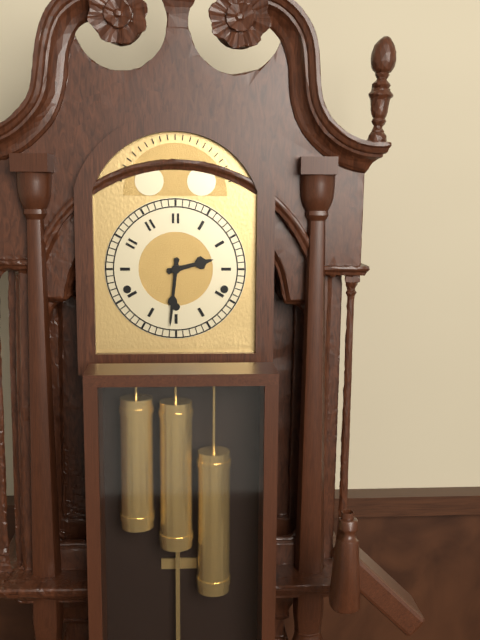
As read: h=2 m=31
